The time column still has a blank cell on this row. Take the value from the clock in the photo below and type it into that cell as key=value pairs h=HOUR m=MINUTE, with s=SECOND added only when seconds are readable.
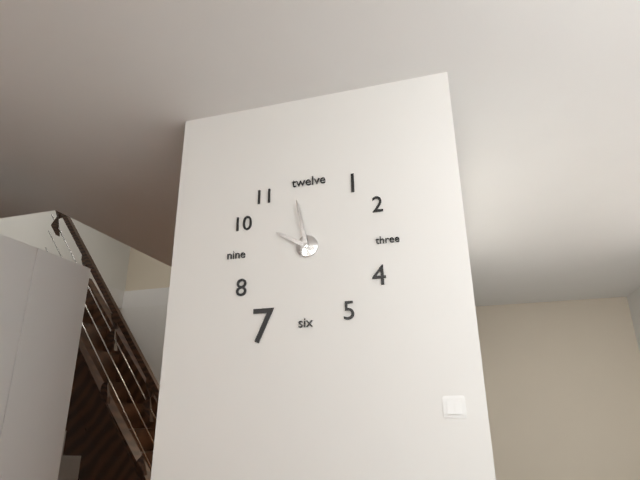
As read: h=9 m=58
